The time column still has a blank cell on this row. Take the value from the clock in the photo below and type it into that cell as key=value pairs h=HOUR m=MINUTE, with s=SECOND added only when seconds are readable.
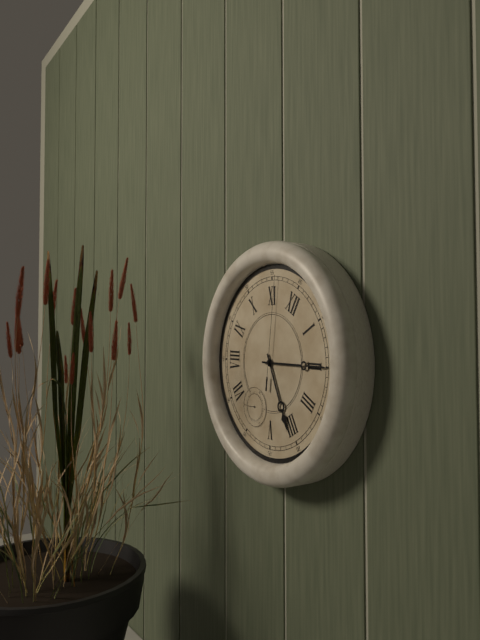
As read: h=4 m=10 s=56
